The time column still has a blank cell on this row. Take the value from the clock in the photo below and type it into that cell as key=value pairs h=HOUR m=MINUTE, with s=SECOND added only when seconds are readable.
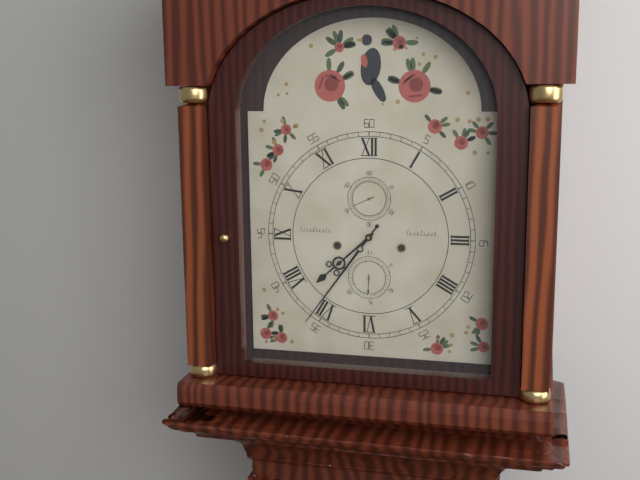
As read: h=7 m=36
